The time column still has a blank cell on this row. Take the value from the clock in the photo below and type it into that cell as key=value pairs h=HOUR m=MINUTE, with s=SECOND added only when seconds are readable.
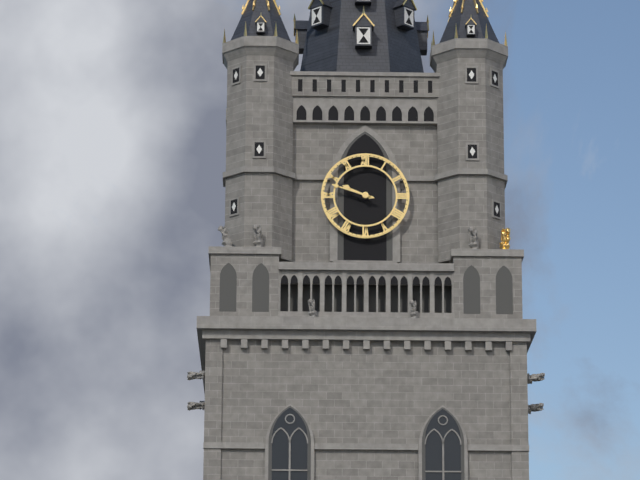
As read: h=9 m=48
